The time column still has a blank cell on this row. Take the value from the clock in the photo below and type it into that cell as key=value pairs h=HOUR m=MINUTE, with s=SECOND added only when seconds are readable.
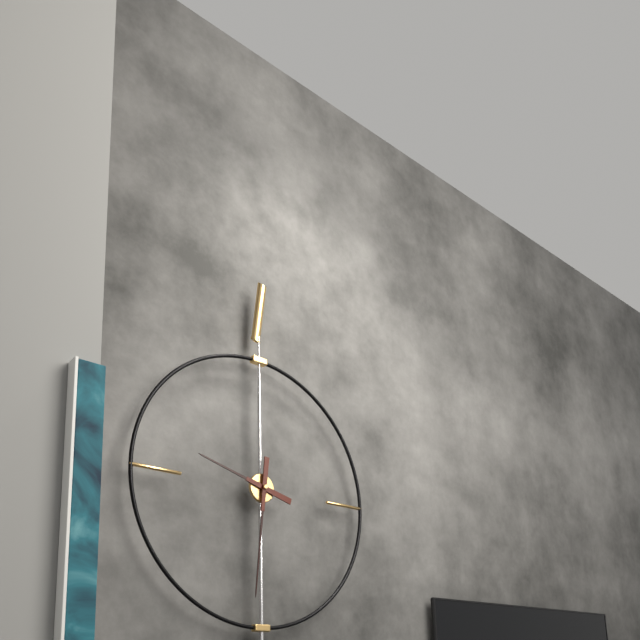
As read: h=9 m=31
